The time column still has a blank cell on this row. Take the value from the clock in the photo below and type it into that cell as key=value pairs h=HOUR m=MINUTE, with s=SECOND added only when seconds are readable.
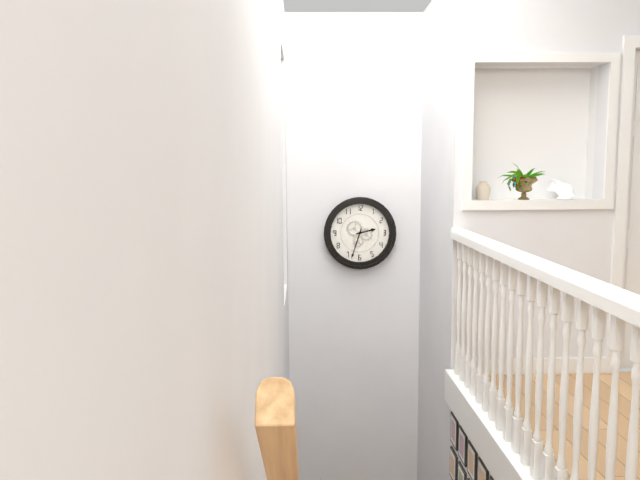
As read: h=2 m=33
